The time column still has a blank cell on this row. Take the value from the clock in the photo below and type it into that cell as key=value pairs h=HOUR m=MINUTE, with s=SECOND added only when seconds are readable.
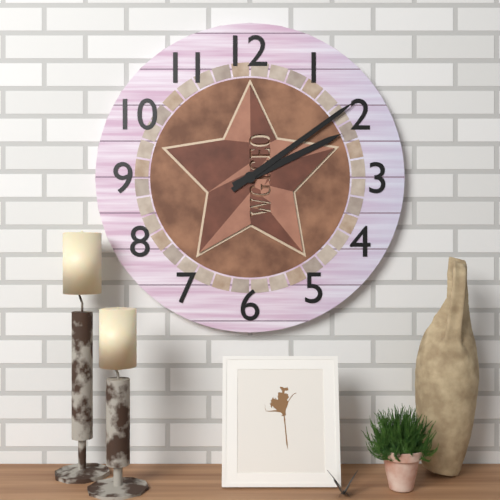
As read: h=2 m=9
